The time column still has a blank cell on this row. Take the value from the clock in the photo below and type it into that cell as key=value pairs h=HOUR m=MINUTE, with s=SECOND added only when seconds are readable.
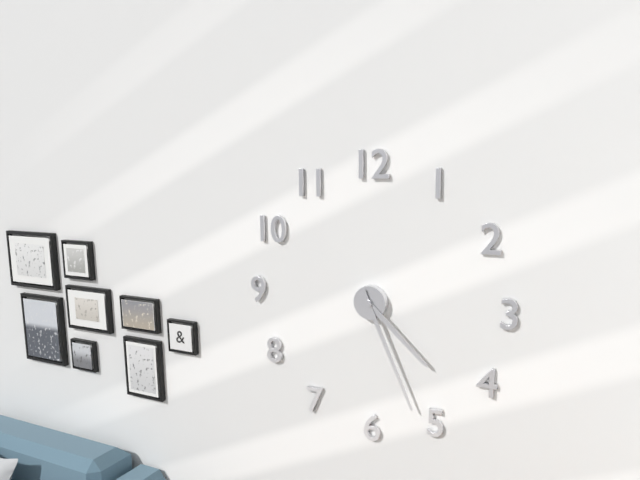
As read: h=4 m=26
